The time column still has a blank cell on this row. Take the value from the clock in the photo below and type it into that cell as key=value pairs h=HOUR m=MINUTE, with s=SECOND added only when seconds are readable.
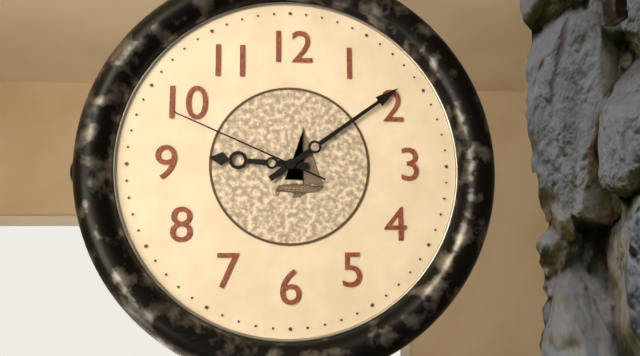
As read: h=9 m=9 s=49
